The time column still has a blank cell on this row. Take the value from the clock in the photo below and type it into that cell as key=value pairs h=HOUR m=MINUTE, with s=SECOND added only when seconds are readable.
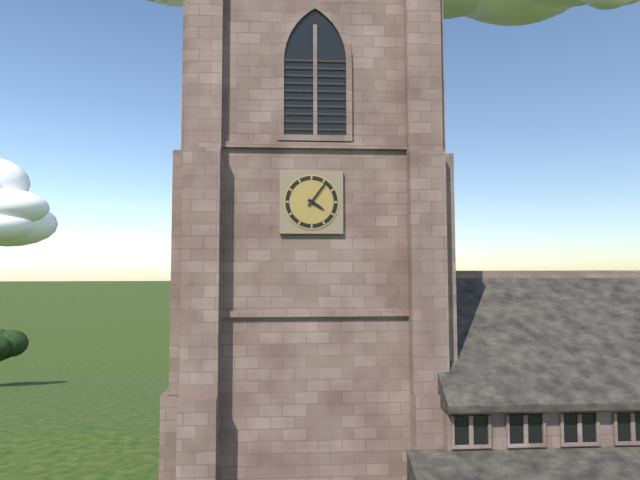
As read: h=4 m=6
